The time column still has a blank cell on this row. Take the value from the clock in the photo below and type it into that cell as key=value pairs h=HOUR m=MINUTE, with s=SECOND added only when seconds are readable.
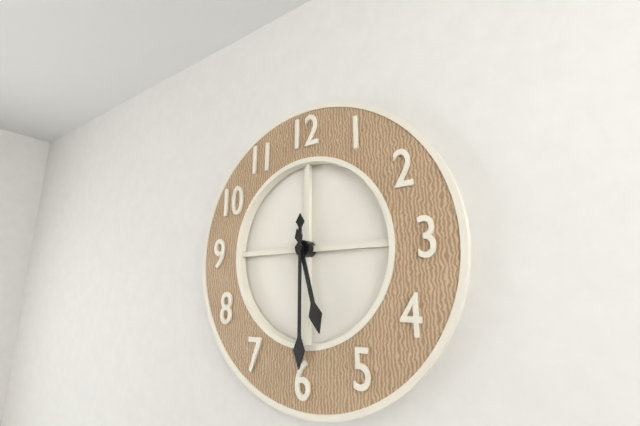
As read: h=5 m=30
